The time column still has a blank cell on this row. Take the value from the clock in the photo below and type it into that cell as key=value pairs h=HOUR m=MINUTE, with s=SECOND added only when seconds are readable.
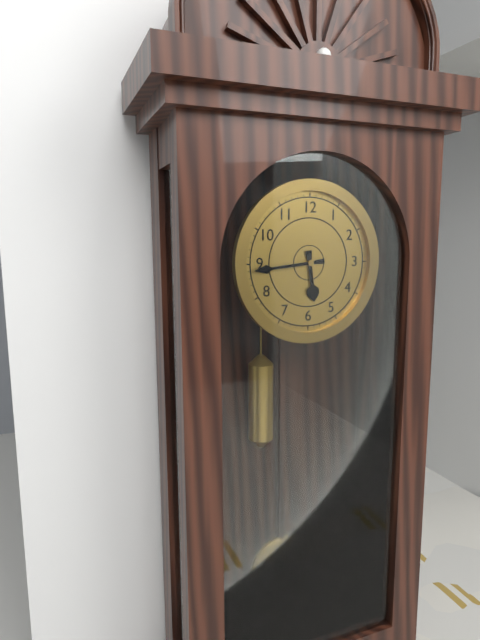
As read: h=5 m=44
